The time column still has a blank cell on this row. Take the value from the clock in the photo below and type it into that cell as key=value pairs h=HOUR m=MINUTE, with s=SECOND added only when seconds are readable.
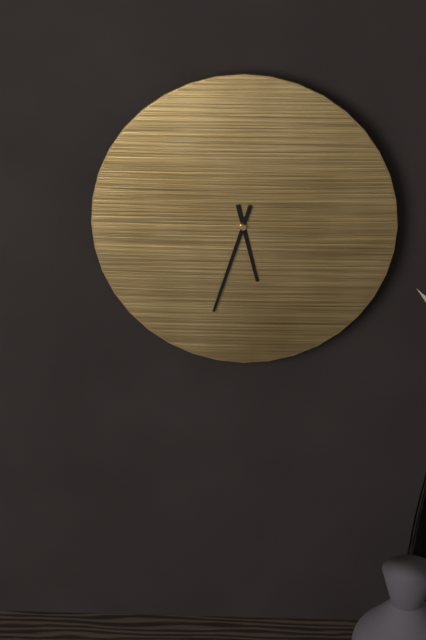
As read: h=5 m=33
